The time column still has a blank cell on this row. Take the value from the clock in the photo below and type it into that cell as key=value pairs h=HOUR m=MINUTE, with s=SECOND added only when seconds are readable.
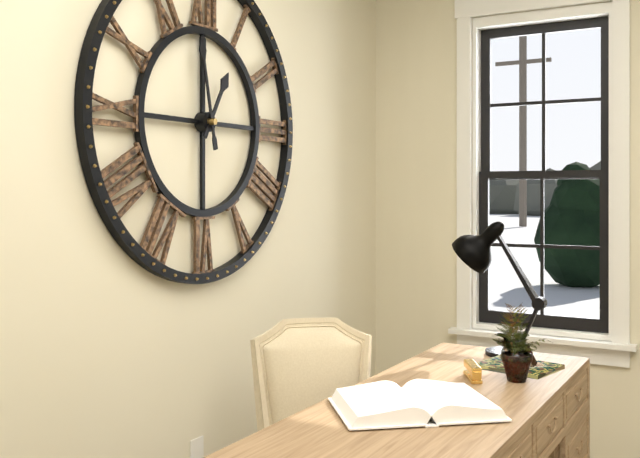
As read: h=12 m=58
